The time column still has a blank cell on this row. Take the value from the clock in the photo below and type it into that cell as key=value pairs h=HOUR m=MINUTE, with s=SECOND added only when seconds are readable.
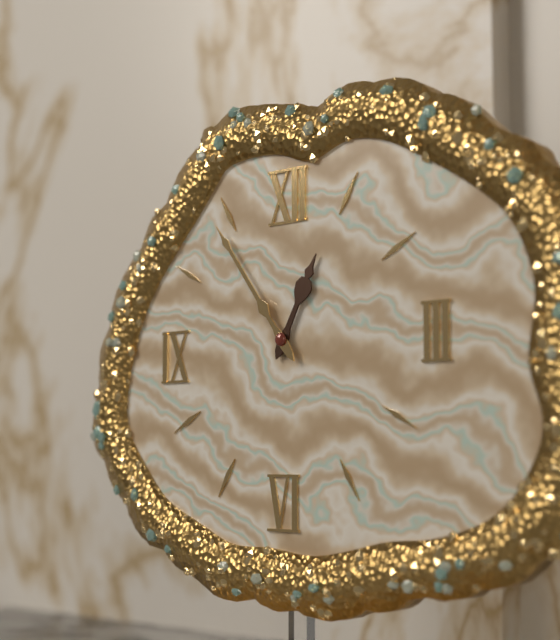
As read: h=12 m=54
